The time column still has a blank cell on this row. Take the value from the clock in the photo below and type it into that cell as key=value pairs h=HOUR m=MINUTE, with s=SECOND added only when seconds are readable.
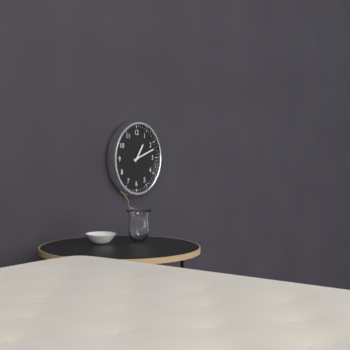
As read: h=1 m=12
